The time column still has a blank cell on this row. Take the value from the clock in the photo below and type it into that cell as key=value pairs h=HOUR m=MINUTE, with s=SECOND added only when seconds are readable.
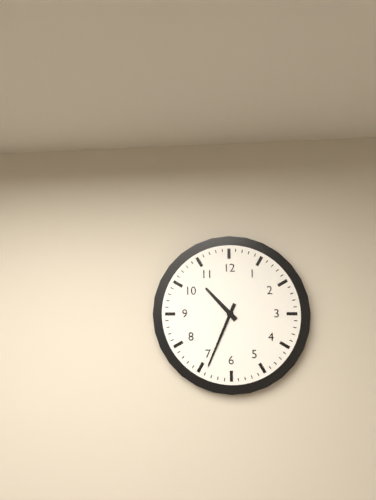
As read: h=10 m=34
